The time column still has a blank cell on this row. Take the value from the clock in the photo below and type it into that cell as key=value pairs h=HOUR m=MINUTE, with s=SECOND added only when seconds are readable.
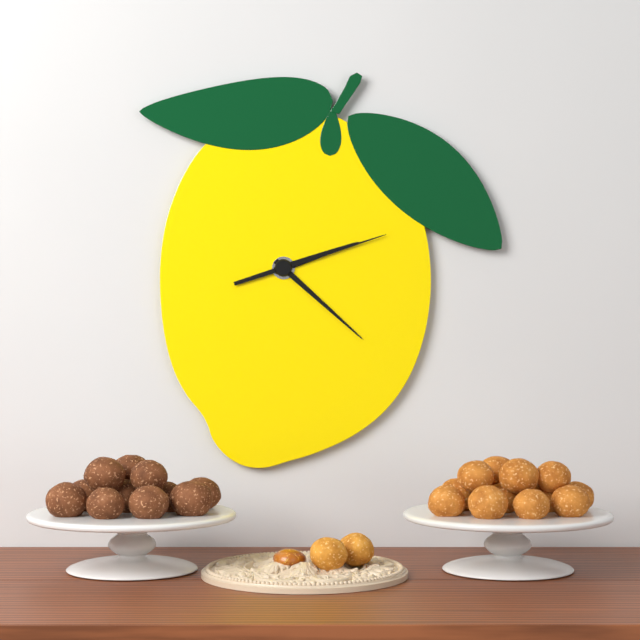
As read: h=2 m=22 s=12
